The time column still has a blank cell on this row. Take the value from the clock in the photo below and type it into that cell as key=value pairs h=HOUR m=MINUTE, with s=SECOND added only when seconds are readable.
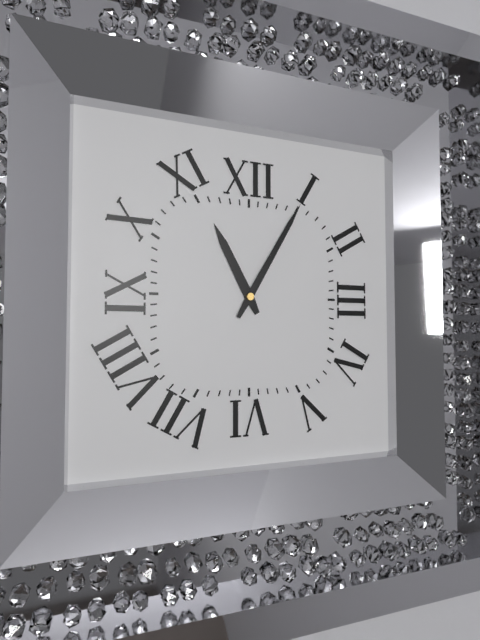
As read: h=11 m=5
